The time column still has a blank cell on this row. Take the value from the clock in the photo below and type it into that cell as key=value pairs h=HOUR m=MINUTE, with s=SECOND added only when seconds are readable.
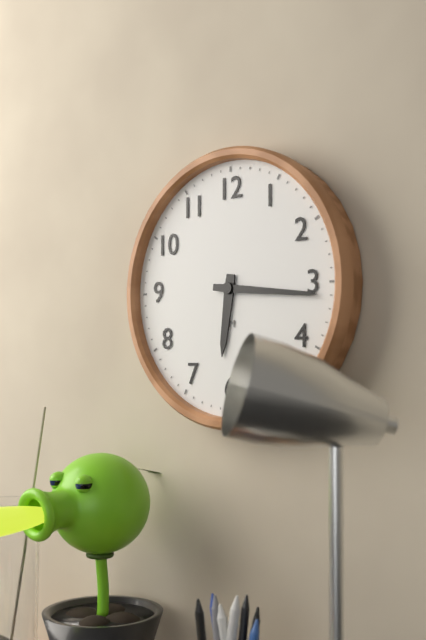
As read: h=6 m=16
